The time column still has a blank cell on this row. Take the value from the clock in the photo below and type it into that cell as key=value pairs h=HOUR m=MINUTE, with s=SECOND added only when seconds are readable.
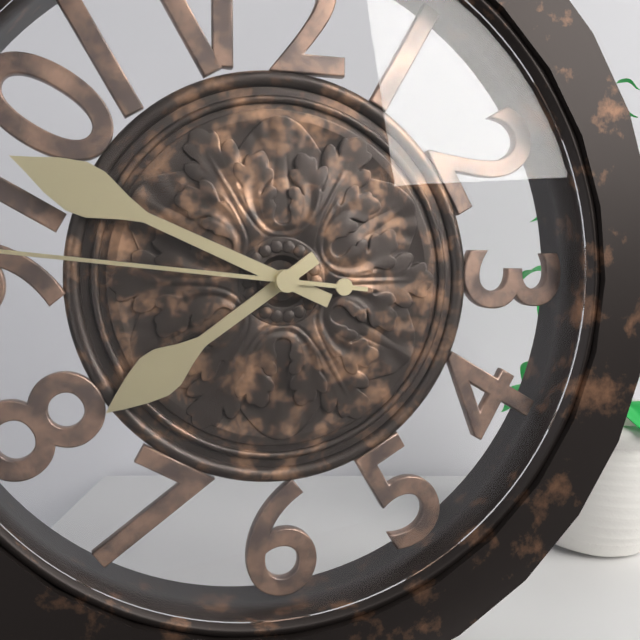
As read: h=7 m=49
